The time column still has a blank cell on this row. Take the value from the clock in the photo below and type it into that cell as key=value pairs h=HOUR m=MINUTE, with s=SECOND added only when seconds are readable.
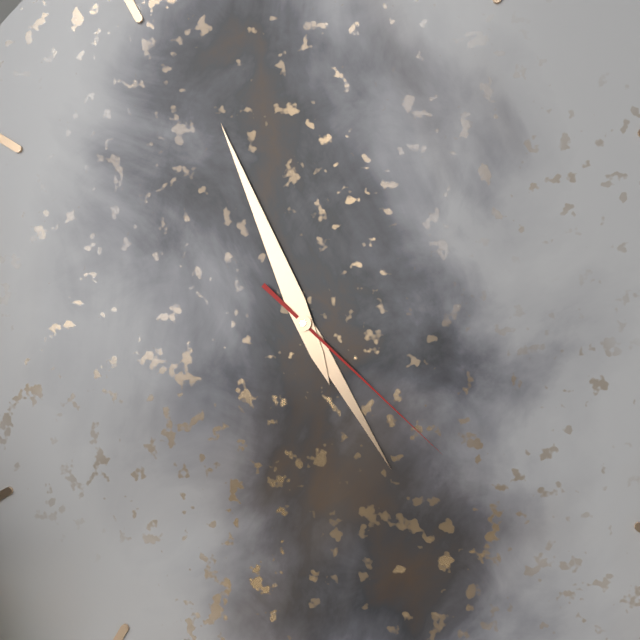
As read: h=4 m=56 s=22
